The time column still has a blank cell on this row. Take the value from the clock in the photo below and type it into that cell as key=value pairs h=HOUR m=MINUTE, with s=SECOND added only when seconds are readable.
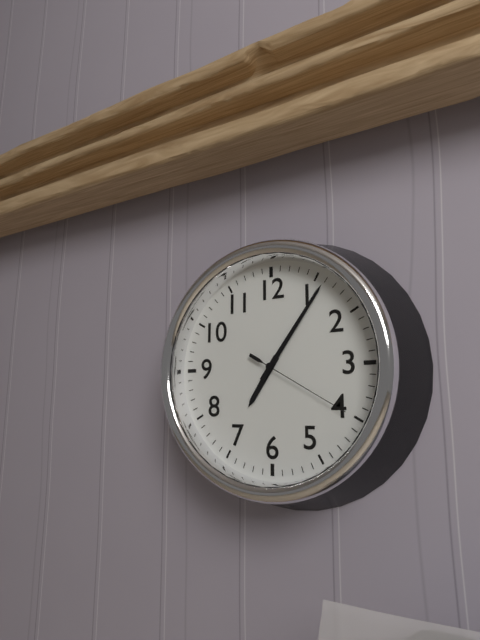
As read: h=7 m=6 s=20
